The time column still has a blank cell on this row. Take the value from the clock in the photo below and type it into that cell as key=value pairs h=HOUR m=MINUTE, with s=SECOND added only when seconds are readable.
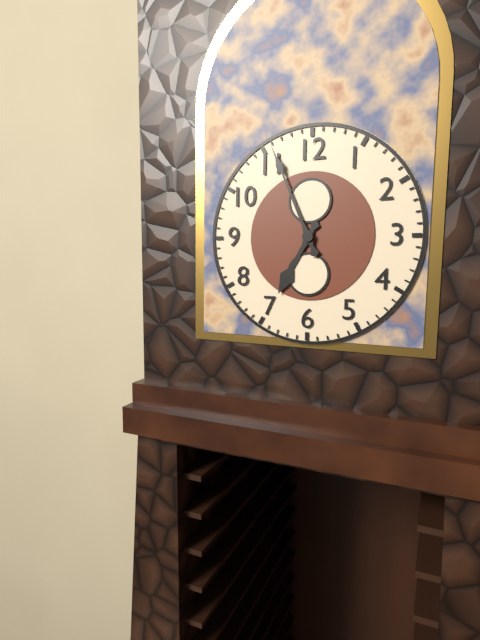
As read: h=6 m=56
